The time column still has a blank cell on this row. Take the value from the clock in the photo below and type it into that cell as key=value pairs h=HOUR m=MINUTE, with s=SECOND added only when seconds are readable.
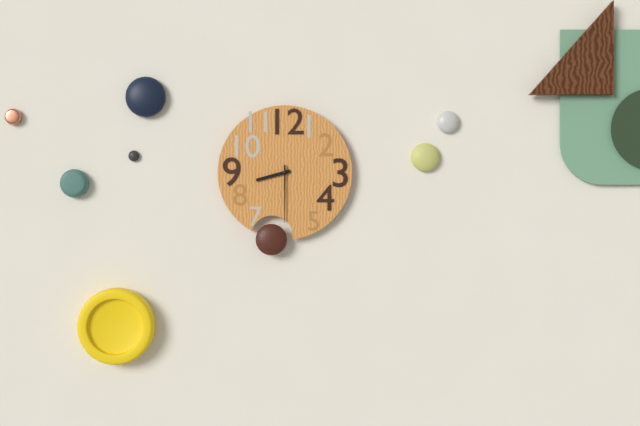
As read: h=8 m=30
